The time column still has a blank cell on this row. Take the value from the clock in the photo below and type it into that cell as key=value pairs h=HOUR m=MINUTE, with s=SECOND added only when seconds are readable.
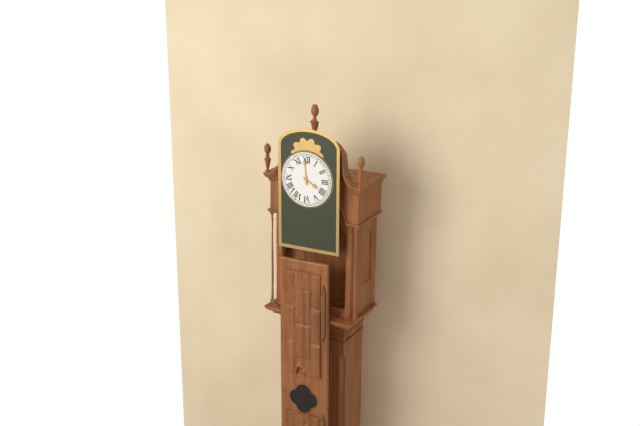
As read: h=3 m=59
